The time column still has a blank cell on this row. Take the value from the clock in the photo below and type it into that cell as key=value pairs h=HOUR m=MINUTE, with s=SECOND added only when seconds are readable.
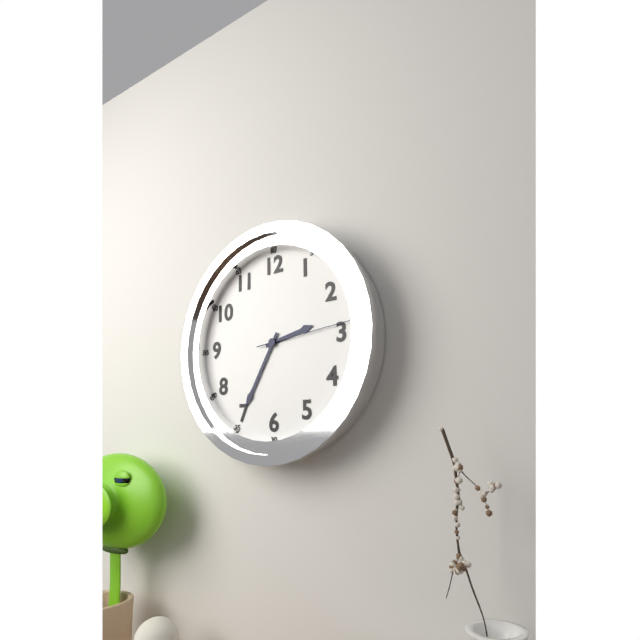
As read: h=2 m=35 s=14
